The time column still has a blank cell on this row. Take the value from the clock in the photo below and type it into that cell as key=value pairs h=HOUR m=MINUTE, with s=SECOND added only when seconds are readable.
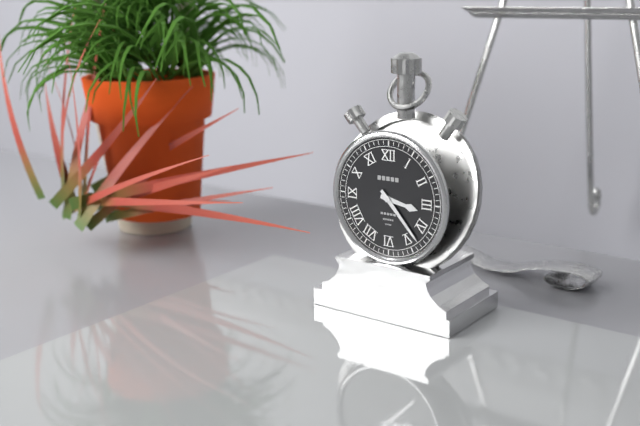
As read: h=3 m=23
